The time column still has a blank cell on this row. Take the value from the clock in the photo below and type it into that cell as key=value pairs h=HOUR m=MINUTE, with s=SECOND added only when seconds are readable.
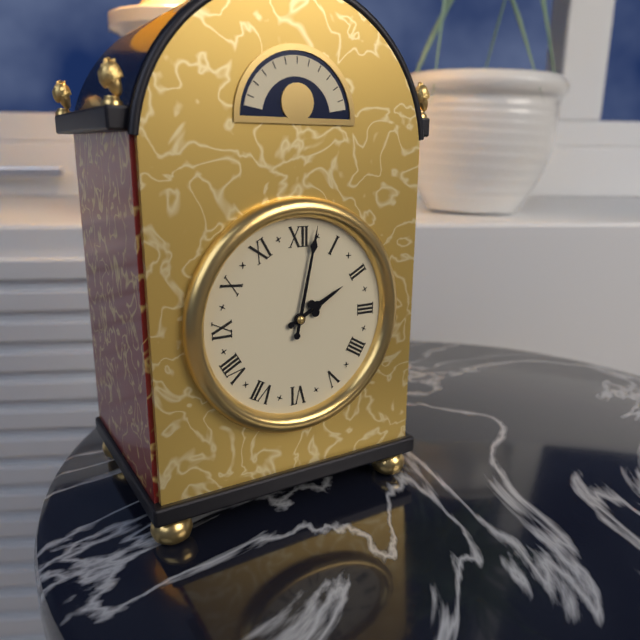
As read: h=2 m=2
